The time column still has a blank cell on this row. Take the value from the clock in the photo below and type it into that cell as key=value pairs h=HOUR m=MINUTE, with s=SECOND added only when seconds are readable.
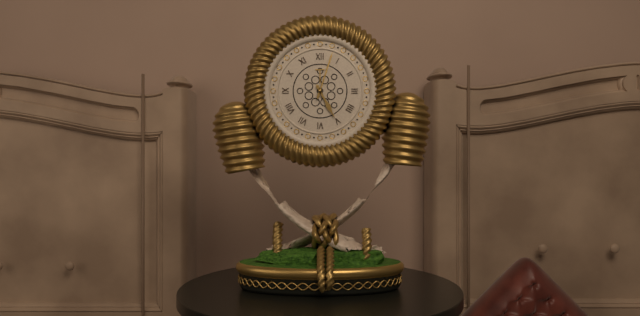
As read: h=5 m=3
